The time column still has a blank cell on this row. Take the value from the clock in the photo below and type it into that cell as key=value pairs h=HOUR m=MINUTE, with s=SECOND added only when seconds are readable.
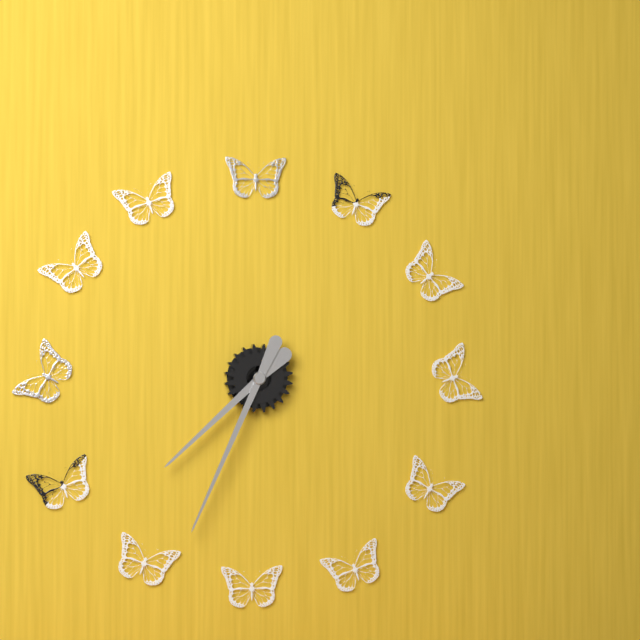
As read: h=7 m=34
